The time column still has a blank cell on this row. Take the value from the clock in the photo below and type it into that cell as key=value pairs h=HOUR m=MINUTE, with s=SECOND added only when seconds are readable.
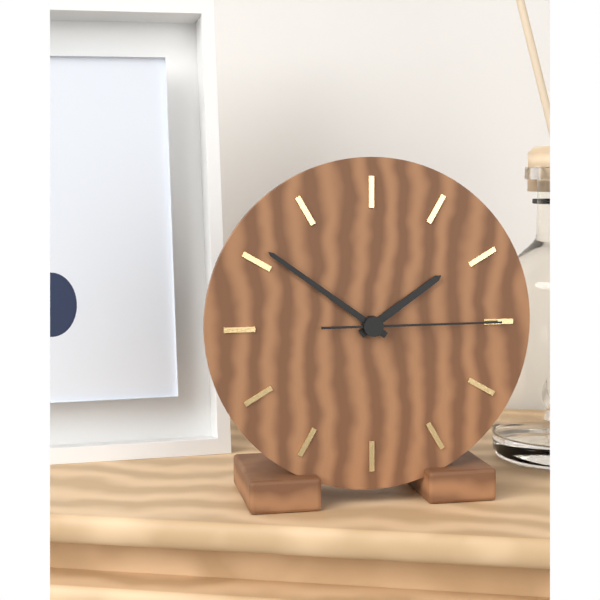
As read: h=1 m=51 s=15
